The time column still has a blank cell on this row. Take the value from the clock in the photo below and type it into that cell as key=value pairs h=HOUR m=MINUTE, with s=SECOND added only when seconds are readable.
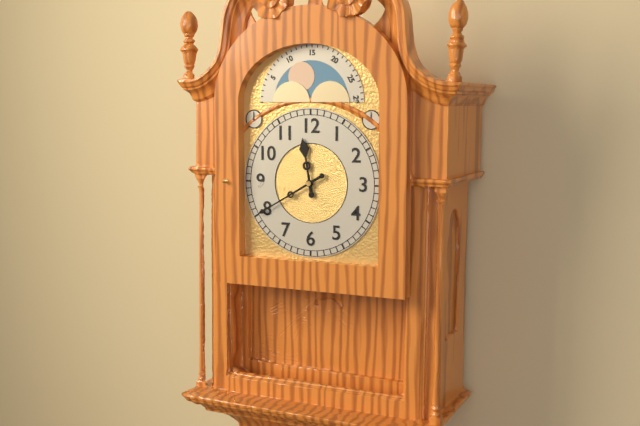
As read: h=11 m=40
